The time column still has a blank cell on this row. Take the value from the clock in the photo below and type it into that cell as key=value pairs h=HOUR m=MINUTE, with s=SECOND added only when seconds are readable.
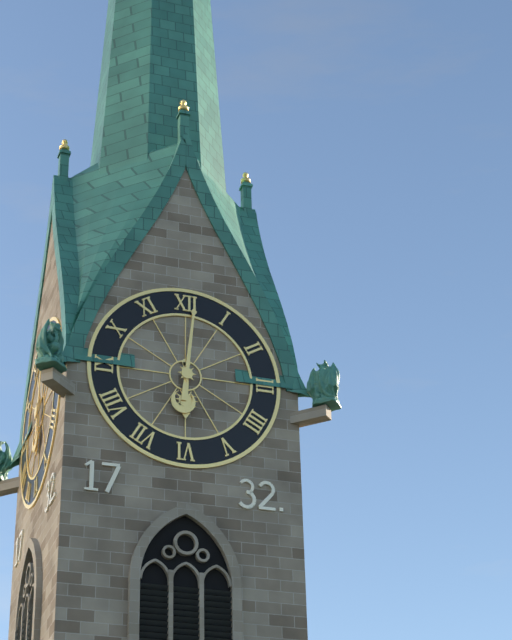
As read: h=6 m=1
